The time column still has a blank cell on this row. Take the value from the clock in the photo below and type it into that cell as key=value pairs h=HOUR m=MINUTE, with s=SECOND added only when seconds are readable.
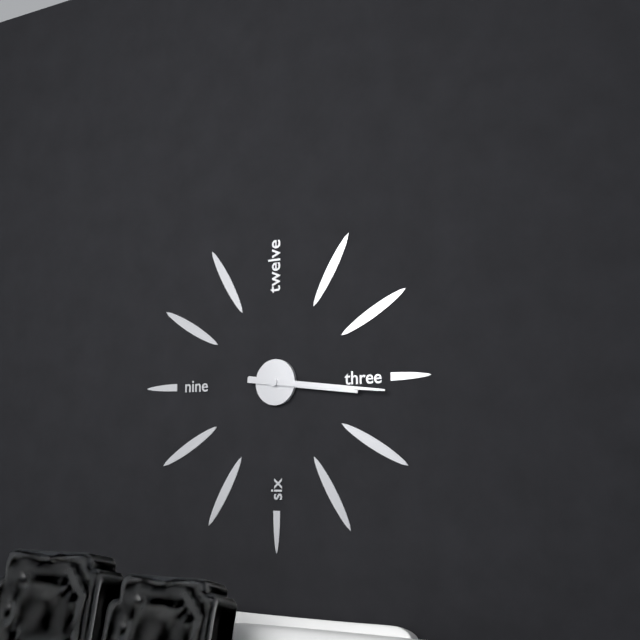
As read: h=3 m=16
